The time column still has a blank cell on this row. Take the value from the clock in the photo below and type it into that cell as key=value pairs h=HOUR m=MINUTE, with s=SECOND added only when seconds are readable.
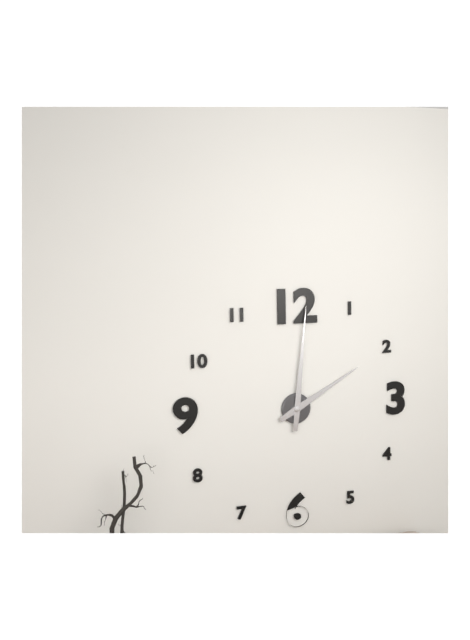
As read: h=2 m=1
